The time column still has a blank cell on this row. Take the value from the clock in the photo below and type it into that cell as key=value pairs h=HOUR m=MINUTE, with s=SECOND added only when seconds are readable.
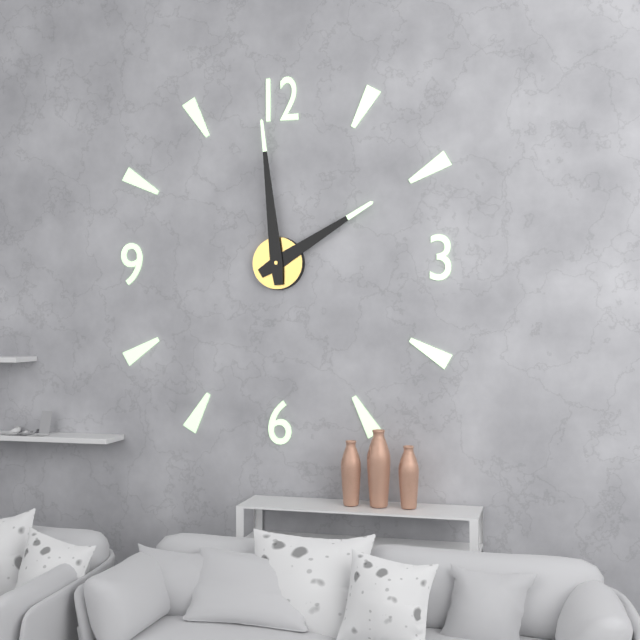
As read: h=1 m=59
